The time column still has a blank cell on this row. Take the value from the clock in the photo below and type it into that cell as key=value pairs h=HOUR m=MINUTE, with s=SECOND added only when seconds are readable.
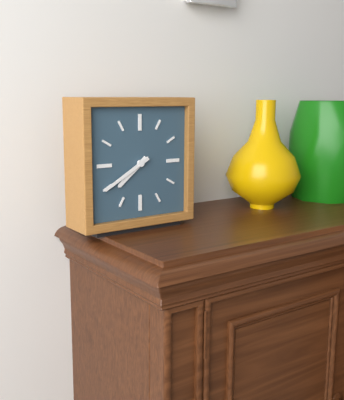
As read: h=7 m=40
